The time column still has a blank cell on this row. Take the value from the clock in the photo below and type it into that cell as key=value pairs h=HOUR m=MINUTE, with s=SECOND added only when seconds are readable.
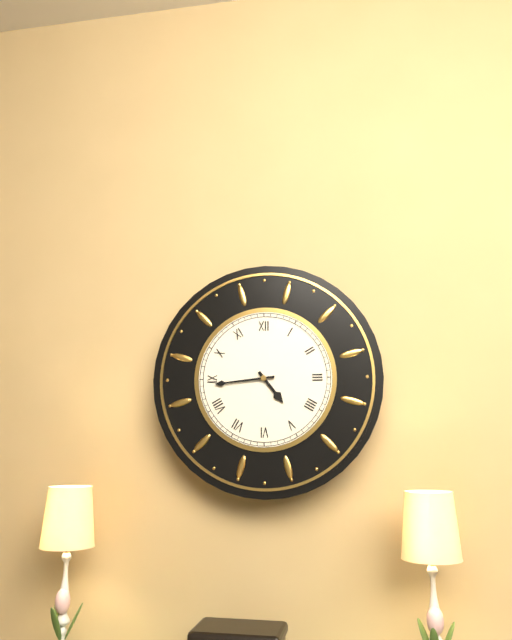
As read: h=4 m=44
